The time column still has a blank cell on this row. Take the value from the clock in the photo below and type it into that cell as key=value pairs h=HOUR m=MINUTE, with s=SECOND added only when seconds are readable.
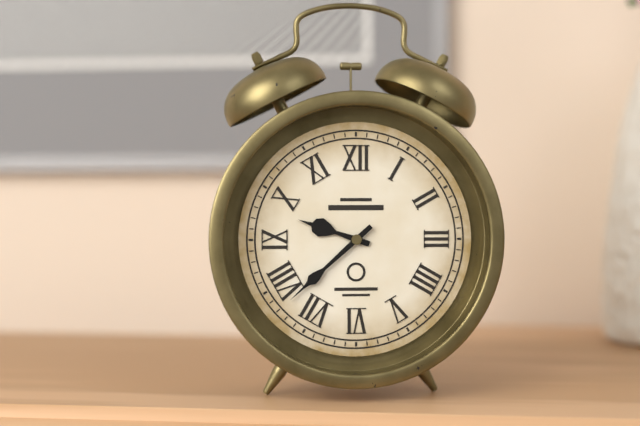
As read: h=9 m=38
